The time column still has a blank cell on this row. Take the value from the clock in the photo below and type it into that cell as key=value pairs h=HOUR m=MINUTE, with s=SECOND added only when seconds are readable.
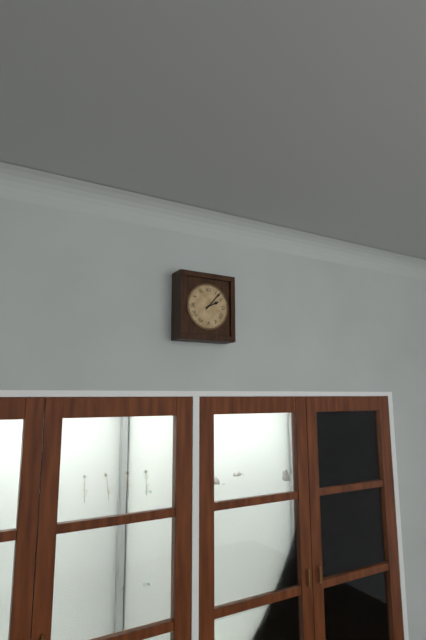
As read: h=2 m=7
